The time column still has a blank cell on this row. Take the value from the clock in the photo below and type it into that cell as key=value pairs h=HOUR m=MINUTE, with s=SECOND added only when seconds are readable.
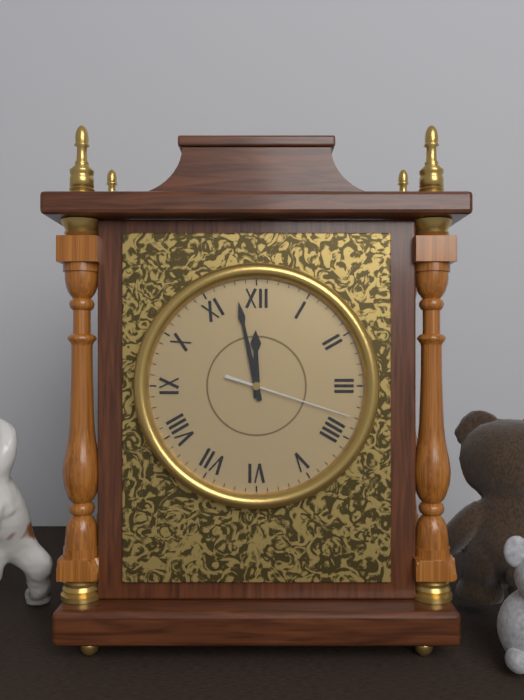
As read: h=11 m=58 s=18
